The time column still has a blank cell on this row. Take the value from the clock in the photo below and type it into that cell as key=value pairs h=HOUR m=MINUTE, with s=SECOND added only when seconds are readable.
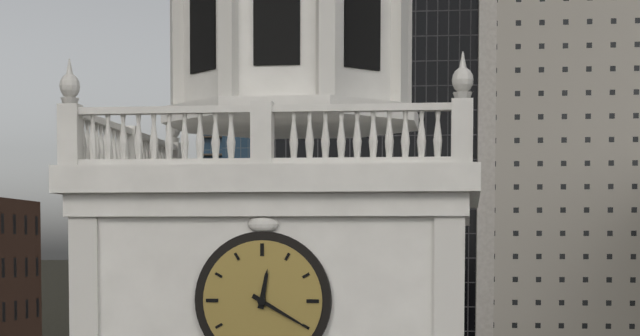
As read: h=12 m=20
